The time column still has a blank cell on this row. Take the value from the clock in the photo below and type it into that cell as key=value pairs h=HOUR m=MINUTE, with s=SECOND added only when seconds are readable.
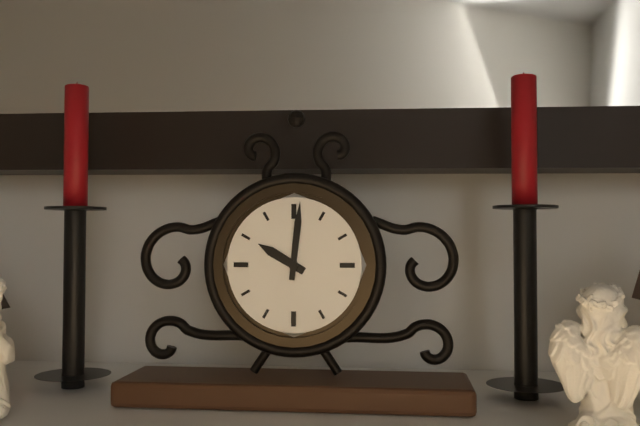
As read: h=10 m=1
